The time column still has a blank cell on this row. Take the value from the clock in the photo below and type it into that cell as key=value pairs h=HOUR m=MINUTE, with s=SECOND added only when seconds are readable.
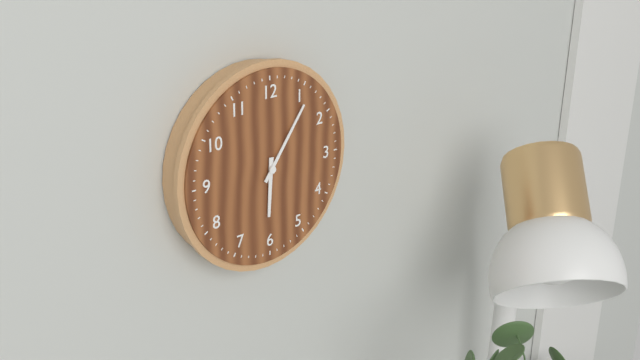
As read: h=6 m=6
